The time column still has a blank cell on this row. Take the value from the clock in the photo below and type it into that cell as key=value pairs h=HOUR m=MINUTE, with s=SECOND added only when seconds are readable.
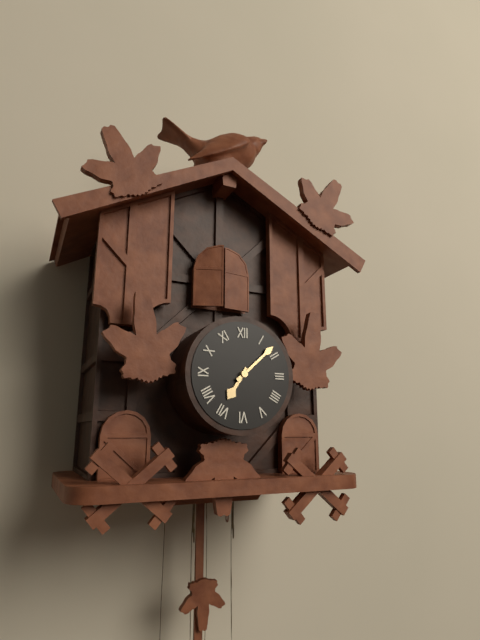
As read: h=7 m=8
